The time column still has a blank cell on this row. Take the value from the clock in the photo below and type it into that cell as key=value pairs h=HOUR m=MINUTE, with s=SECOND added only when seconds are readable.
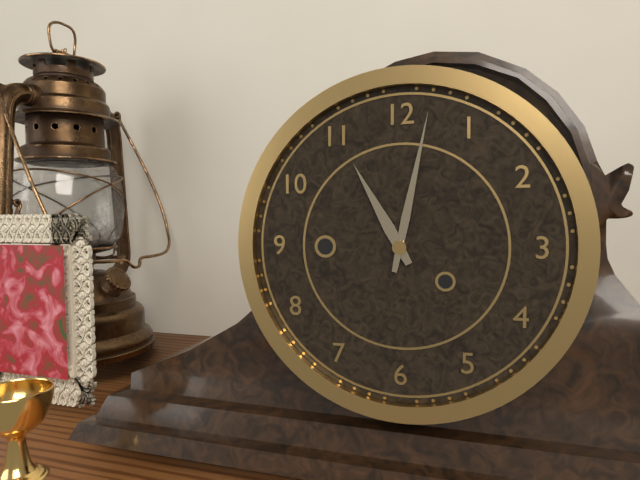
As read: h=11 m=2
